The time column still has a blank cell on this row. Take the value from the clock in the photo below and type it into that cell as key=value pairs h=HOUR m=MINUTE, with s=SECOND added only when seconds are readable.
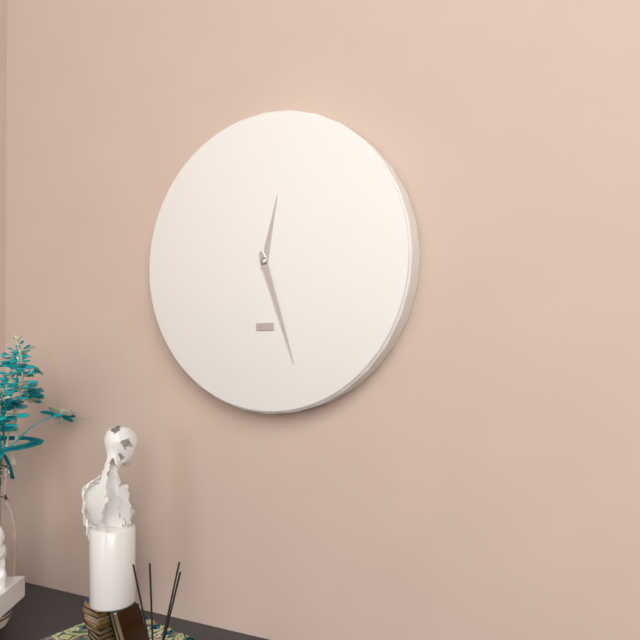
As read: h=12 m=27
